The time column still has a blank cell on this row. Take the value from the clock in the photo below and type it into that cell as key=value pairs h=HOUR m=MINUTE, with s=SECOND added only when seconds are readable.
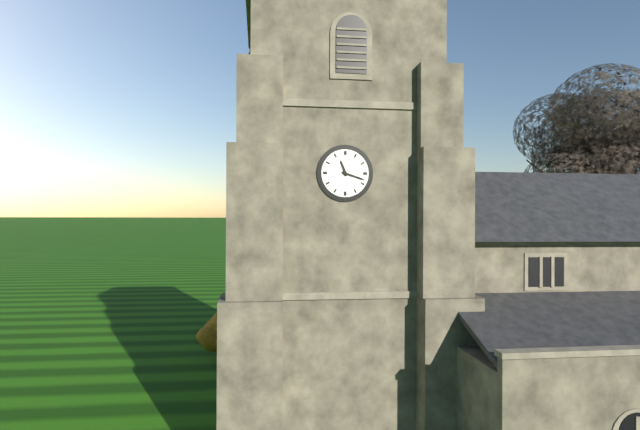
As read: h=11 m=18
